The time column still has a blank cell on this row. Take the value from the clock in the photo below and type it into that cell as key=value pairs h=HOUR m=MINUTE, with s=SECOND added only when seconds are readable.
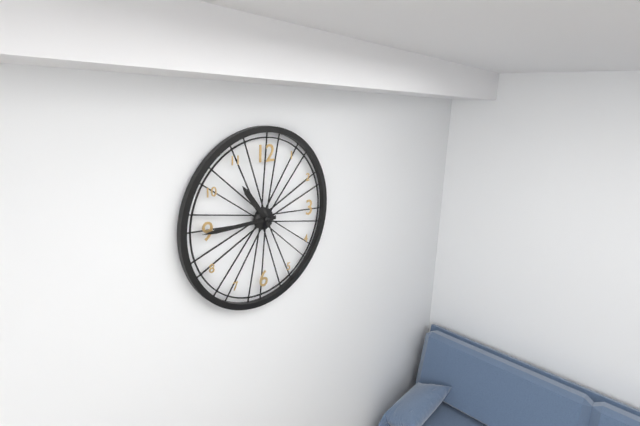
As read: h=10 m=45
